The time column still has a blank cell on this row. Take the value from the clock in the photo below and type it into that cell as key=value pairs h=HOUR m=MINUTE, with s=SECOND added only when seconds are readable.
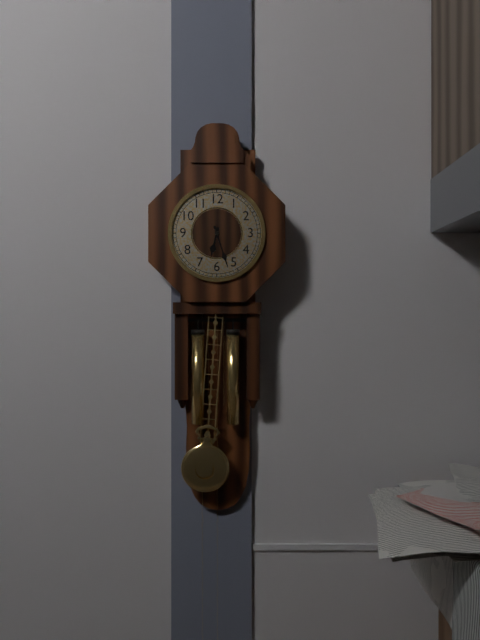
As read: h=6 m=27
